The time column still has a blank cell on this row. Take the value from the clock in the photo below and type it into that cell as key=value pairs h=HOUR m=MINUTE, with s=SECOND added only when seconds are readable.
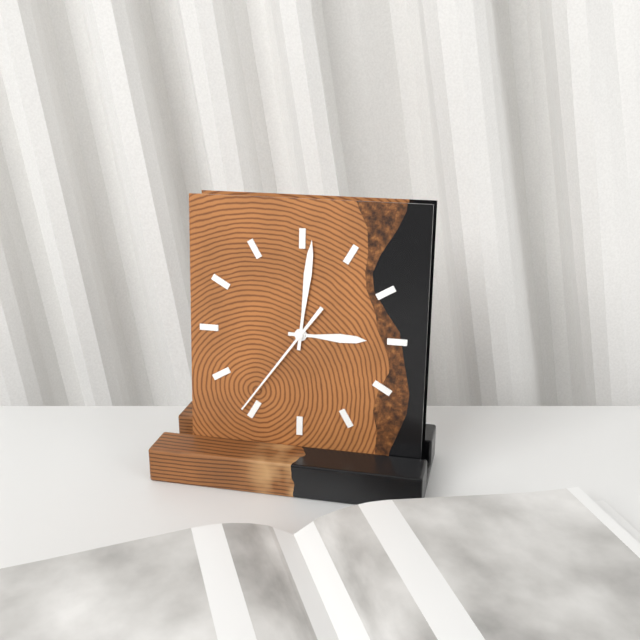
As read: h=3 m=1 s=36
